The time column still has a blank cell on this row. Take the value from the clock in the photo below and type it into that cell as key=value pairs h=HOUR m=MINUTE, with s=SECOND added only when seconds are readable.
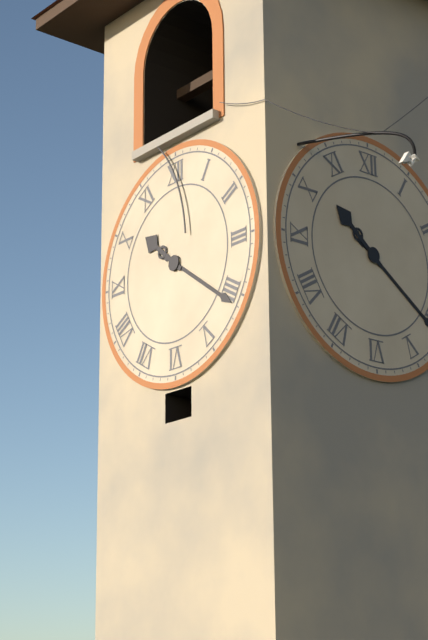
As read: h=10 m=21
